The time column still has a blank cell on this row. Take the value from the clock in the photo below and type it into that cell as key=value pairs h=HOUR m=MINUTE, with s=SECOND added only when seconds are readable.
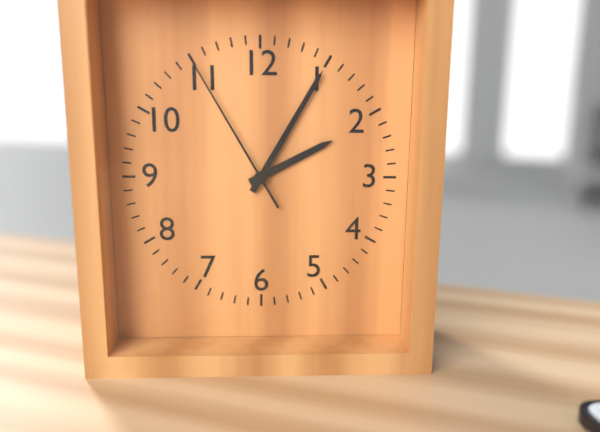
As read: h=2 m=5 s=55
